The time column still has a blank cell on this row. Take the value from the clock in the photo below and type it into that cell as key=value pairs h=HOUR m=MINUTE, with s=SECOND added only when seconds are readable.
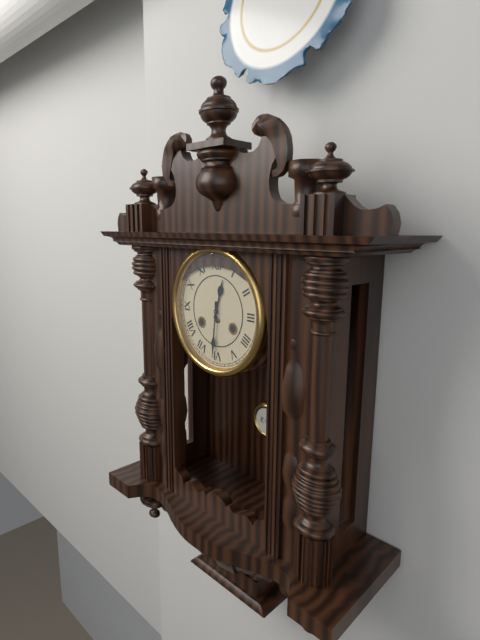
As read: h=12 m=31
